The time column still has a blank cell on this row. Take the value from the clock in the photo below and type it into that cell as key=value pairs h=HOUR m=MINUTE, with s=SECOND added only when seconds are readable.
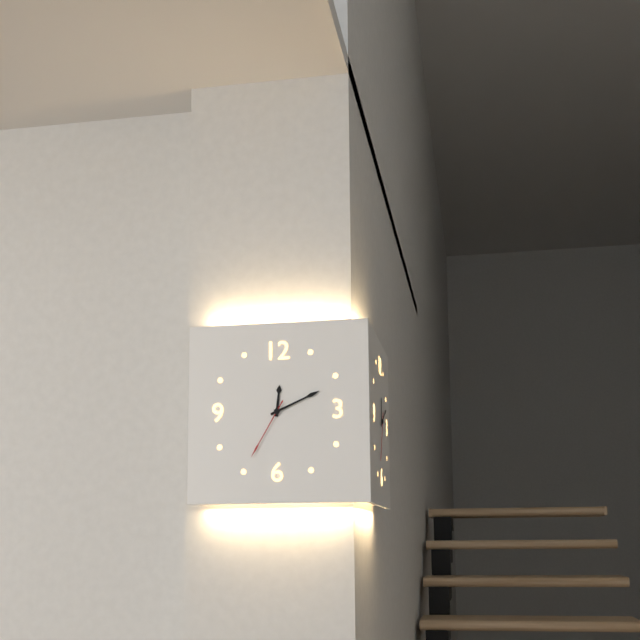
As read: h=12 m=11 s=35
